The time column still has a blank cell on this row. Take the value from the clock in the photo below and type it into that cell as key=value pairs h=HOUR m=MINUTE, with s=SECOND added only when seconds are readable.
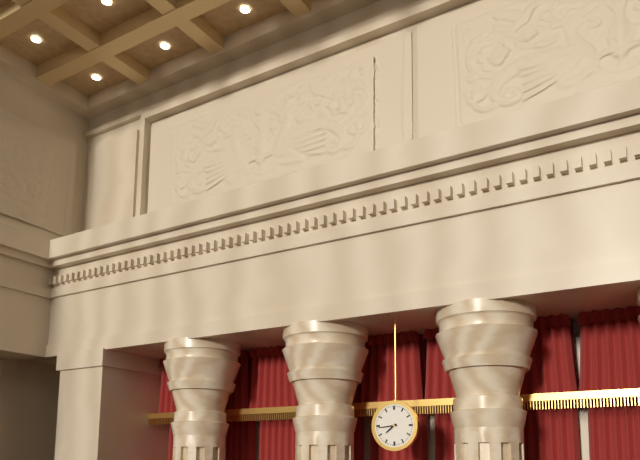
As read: h=7 m=44
